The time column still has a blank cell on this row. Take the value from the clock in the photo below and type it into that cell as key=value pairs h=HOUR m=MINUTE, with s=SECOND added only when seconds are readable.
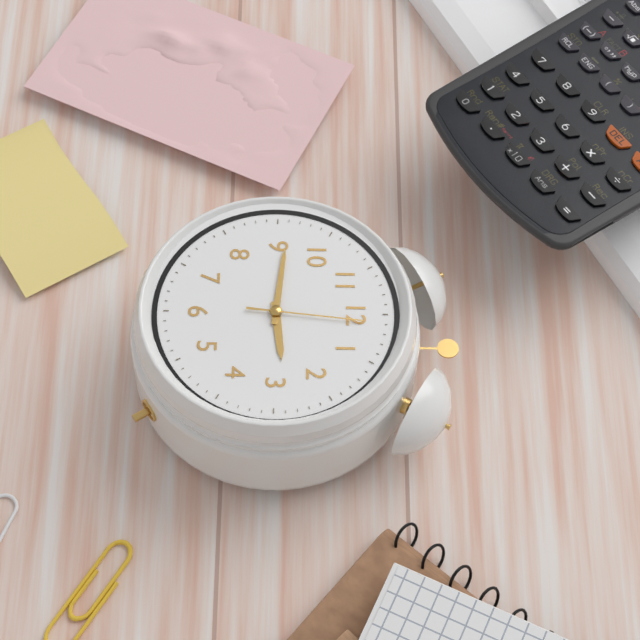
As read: h=2 m=46 s=1
